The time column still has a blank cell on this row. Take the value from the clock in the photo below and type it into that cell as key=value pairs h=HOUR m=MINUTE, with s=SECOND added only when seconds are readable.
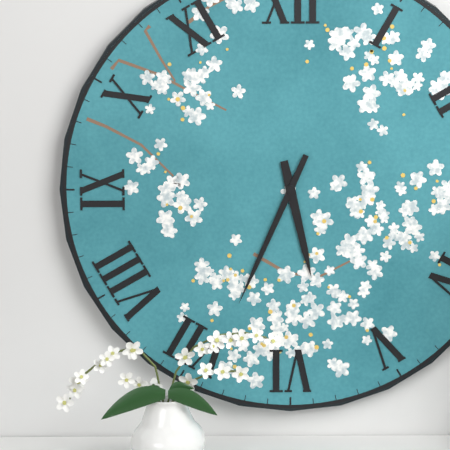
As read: h=5 m=34
